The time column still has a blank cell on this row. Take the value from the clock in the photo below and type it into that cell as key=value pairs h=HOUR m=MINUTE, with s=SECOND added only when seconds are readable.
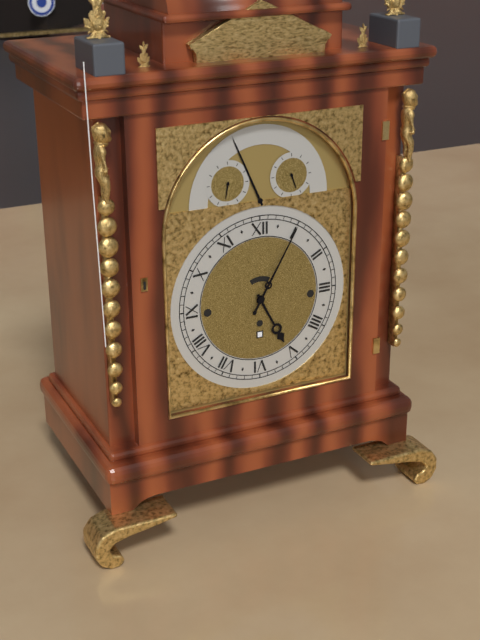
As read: h=5 m=5
